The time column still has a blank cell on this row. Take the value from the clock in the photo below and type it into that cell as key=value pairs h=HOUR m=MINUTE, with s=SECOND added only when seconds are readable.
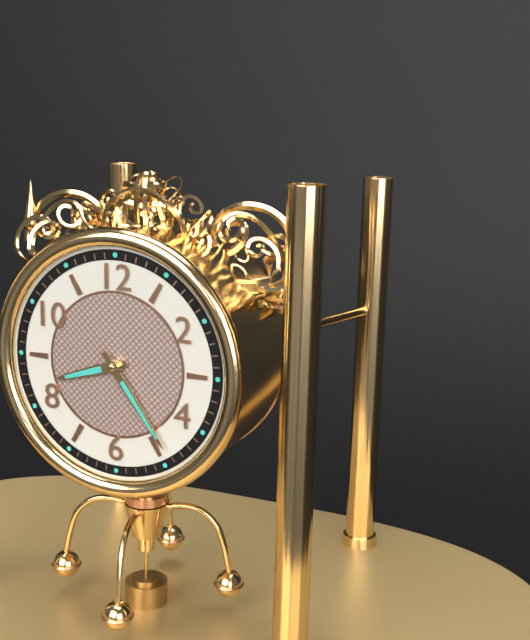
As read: h=8 m=24
